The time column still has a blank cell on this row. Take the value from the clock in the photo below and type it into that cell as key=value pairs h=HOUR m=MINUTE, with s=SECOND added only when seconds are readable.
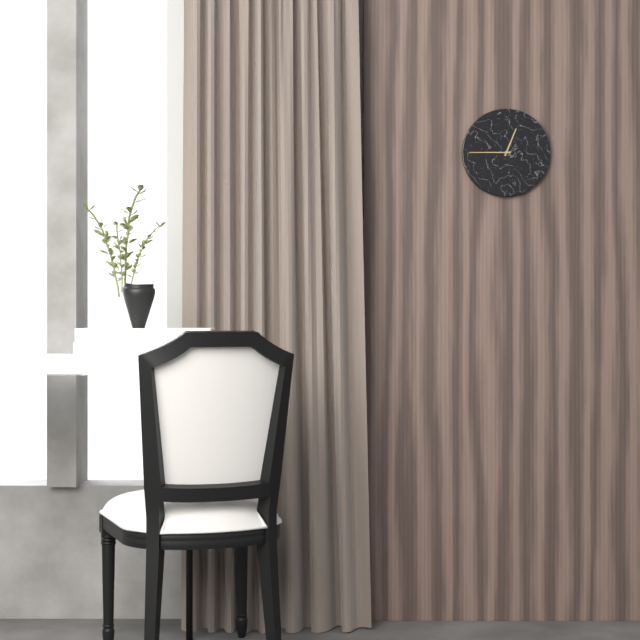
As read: h=12 m=45
